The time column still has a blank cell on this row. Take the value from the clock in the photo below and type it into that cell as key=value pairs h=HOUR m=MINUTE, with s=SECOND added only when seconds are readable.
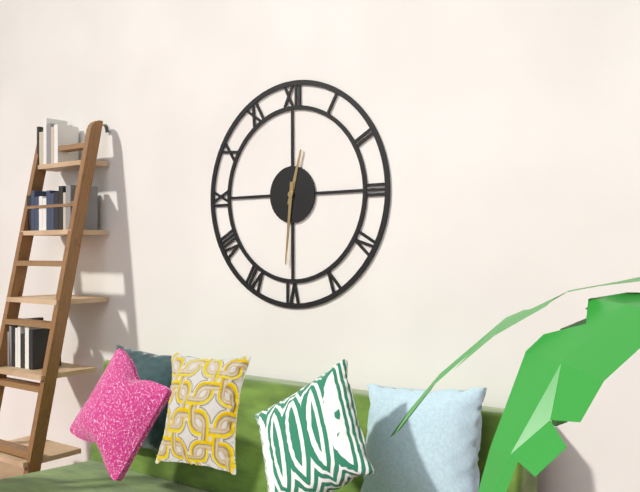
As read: h=12 m=31
